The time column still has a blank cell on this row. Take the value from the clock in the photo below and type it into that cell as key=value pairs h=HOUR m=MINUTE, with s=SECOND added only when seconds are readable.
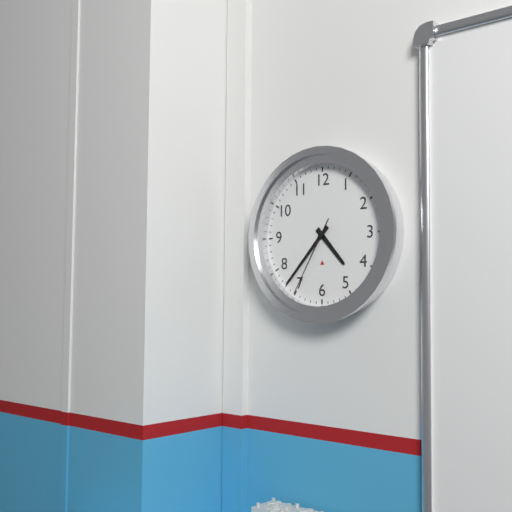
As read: h=4 m=37 s=35
